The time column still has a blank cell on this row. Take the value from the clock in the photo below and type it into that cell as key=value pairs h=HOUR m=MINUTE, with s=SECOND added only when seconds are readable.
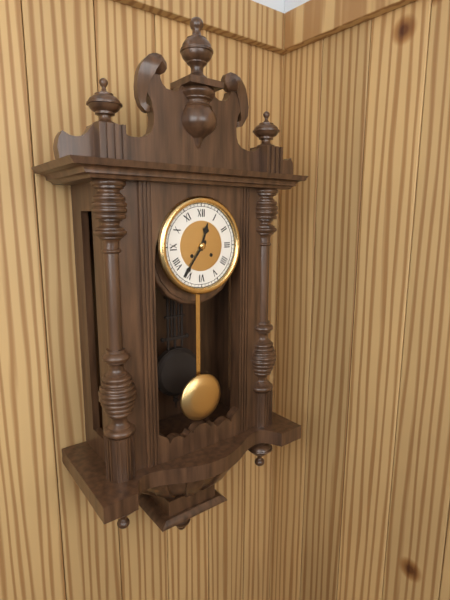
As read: h=12 m=36
